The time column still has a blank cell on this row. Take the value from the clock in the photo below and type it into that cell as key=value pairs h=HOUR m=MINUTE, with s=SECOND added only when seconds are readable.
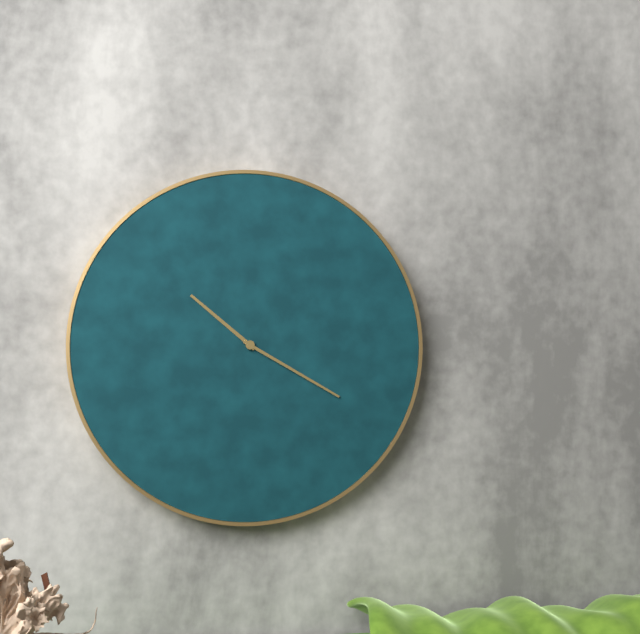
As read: h=10 m=20
